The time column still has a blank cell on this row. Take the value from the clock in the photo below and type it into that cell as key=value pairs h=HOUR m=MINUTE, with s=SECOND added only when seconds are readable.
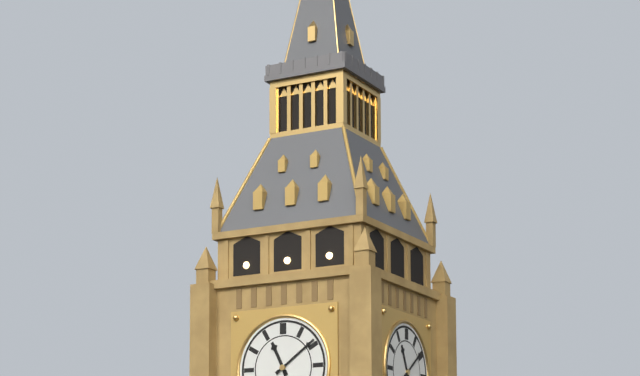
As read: h=11 m=9
